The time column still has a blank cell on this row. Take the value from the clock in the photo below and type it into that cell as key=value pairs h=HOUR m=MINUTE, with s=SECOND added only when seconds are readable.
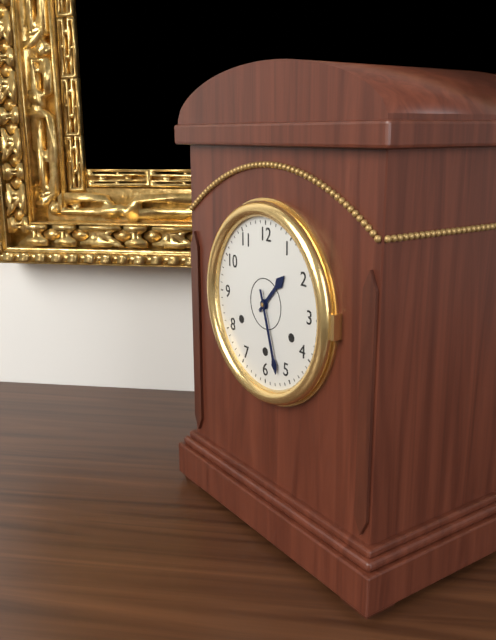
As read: h=1 m=27
